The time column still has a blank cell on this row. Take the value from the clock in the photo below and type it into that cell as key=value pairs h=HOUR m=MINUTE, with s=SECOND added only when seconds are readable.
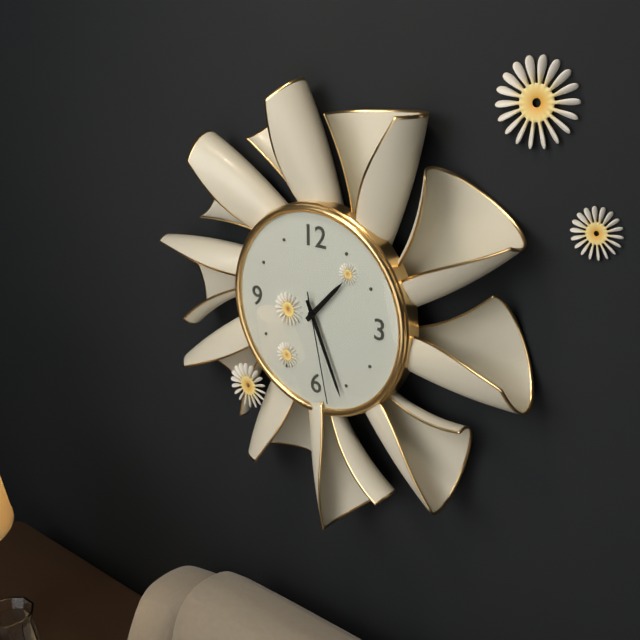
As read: h=1 m=26 s=28
